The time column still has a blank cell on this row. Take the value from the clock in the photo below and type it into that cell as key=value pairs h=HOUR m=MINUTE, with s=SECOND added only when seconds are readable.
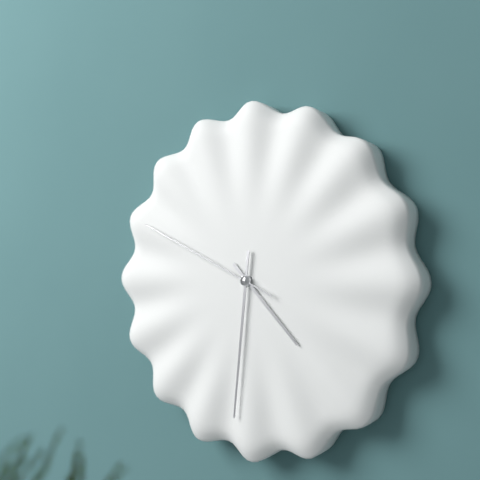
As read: h=4 m=31 s=49
